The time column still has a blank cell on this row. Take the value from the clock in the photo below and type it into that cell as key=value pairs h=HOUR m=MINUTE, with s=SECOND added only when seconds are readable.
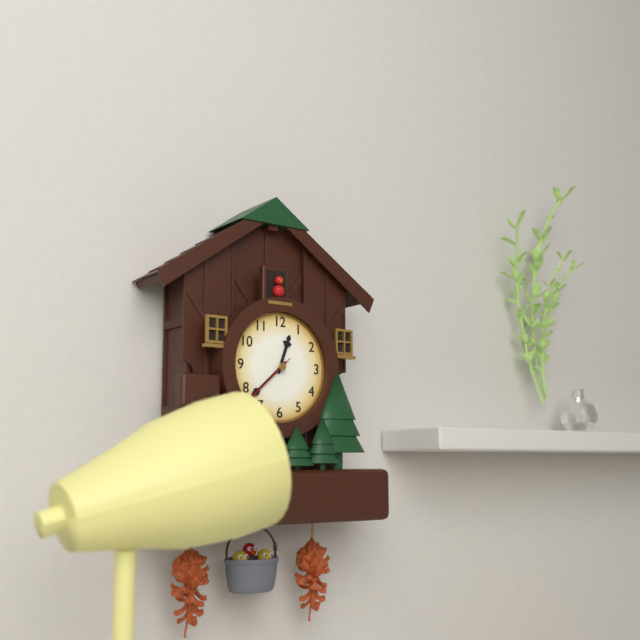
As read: h=12 m=38 s=38
